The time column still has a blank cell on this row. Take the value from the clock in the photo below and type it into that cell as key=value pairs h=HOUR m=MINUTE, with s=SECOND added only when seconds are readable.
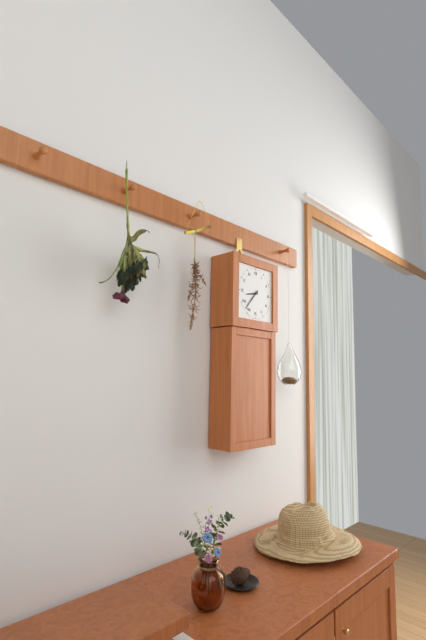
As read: h=8 m=37
